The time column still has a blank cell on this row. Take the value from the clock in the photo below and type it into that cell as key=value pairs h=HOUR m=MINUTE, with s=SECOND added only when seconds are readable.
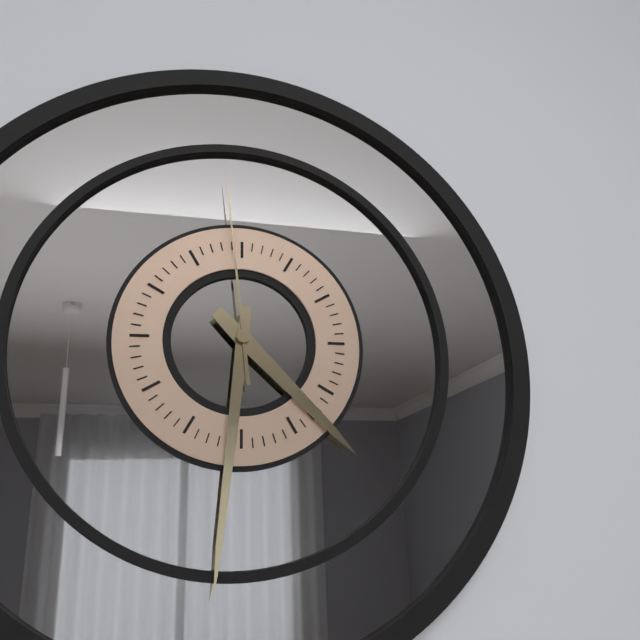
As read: h=4 m=31 s=59
